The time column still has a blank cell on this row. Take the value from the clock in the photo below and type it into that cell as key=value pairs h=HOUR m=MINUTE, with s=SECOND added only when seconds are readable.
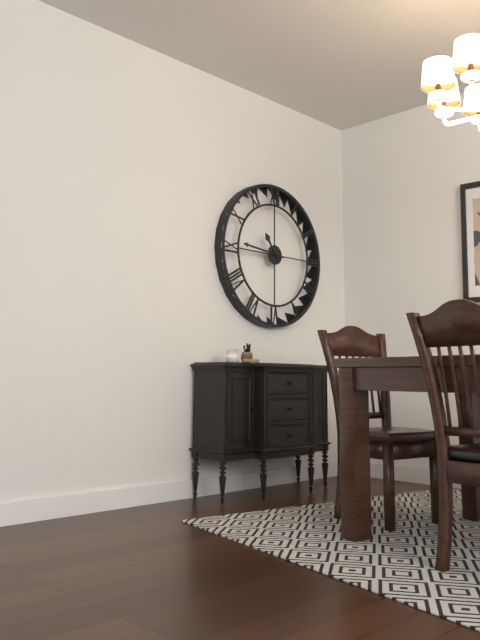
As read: h=10 m=46
